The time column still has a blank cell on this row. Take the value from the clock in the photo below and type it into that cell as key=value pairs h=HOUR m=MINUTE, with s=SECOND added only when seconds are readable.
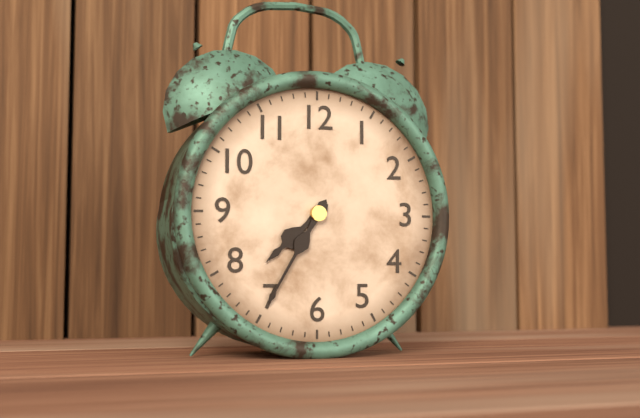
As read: h=7 m=35
